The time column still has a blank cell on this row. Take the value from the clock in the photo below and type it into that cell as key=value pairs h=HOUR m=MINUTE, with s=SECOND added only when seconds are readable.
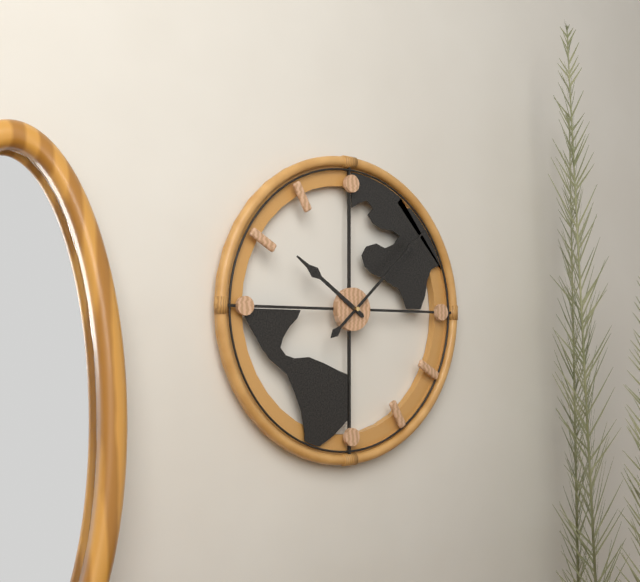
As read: h=10 m=8
